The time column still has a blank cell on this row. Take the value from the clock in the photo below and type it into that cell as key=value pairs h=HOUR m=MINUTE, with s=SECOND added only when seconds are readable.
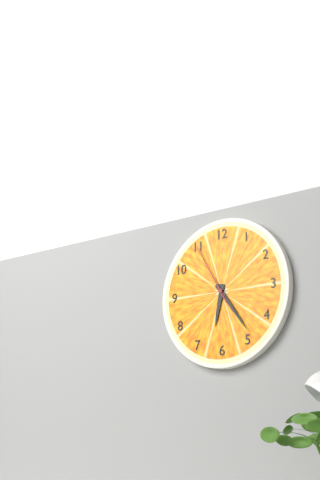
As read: h=6 m=24 s=55
